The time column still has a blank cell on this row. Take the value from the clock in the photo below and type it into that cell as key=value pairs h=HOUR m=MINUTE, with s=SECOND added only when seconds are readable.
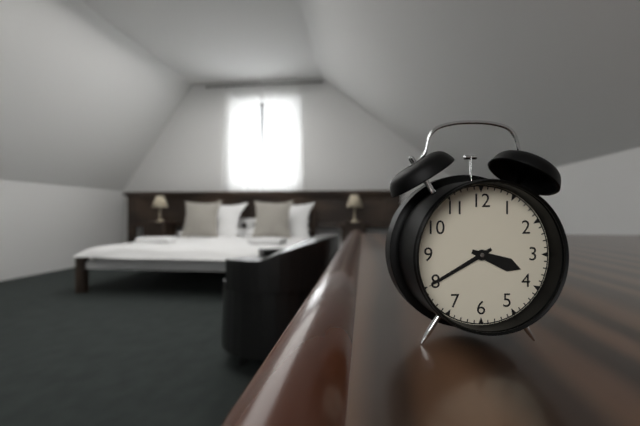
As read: h=3 m=40
